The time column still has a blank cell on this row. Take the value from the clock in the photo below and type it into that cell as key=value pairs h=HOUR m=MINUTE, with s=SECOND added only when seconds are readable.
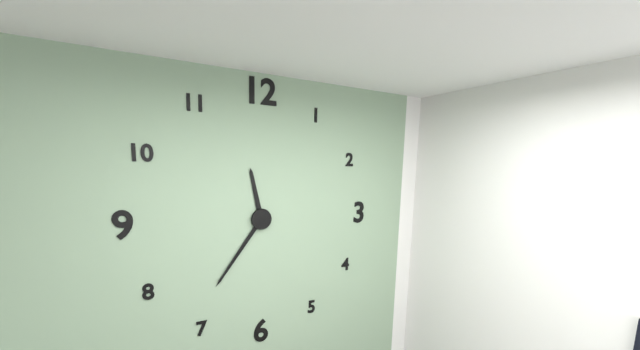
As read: h=11 m=36
